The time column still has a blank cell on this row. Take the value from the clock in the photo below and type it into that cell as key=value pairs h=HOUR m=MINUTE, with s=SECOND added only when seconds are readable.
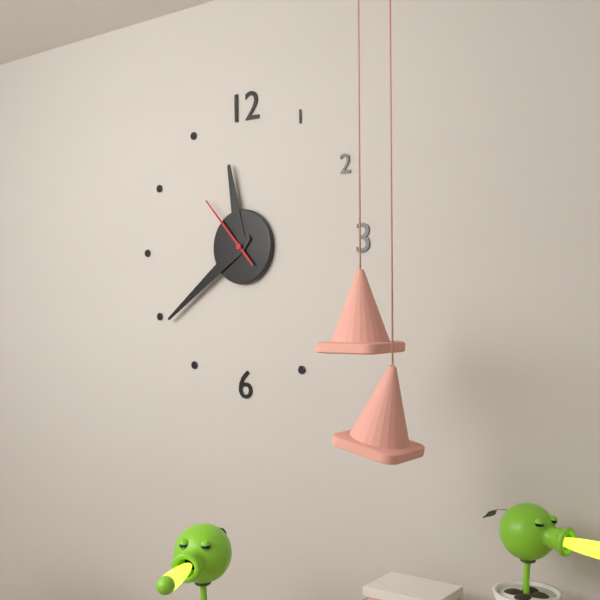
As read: h=11 m=39 s=53
